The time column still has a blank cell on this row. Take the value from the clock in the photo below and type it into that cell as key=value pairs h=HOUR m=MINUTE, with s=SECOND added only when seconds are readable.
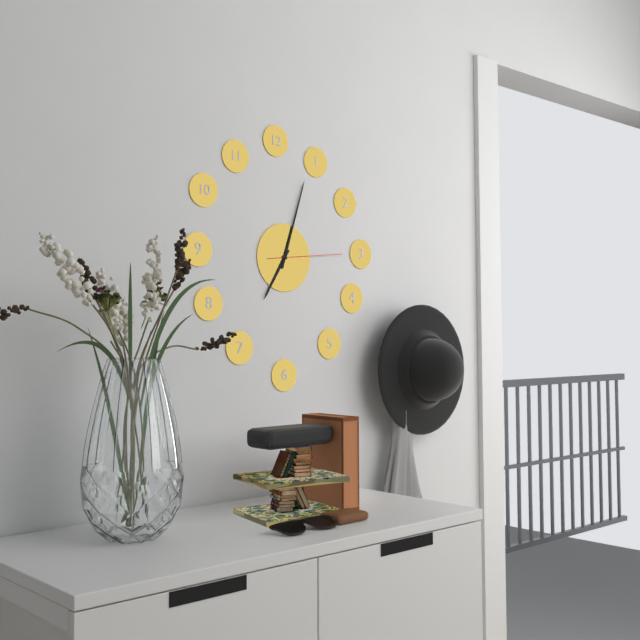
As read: h=7 m=3 s=14
